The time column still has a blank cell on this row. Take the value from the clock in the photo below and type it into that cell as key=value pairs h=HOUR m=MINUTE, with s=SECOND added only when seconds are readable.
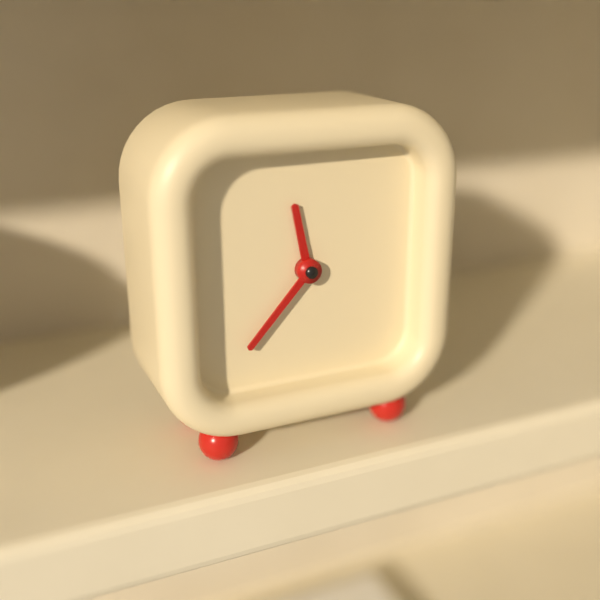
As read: h=11 m=37
